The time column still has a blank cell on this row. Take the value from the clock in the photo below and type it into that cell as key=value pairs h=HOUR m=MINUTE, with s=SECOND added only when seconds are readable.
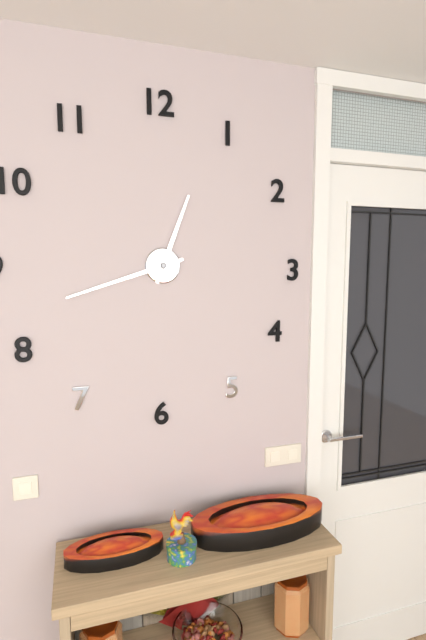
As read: h=12 m=42
